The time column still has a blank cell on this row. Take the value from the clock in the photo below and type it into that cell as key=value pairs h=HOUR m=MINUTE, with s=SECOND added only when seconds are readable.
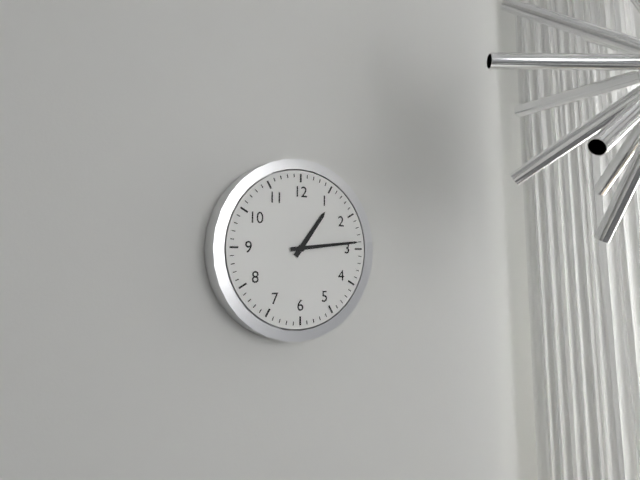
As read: h=1 m=14
